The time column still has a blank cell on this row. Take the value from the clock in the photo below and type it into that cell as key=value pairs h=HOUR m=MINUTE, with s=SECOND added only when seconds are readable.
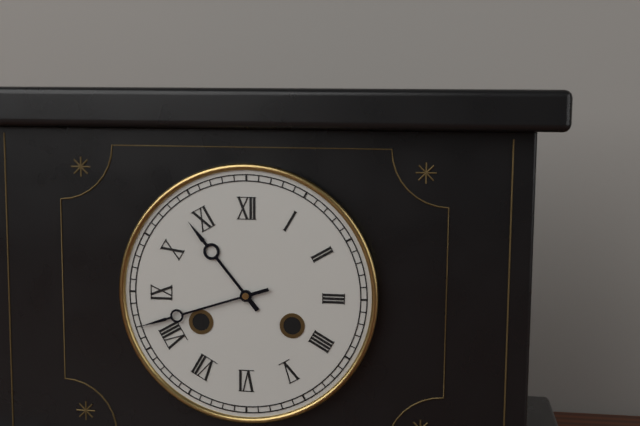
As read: h=10 m=42
